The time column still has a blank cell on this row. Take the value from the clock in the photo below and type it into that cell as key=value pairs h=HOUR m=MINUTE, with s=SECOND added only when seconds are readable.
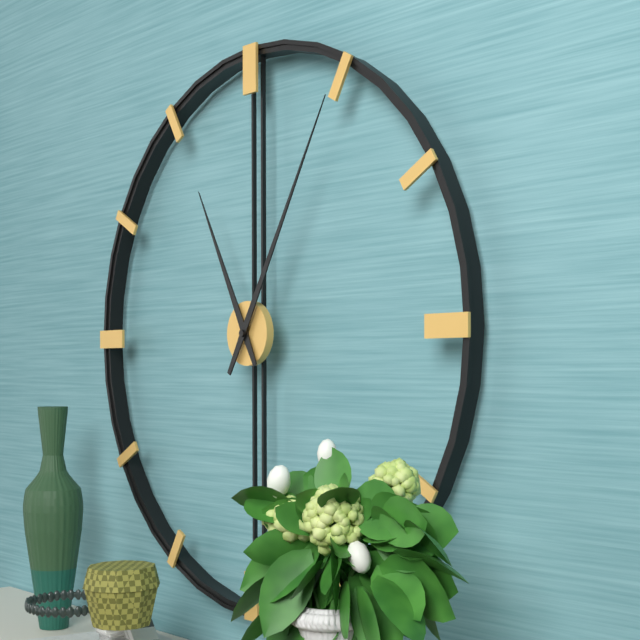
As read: h=11 m=5
